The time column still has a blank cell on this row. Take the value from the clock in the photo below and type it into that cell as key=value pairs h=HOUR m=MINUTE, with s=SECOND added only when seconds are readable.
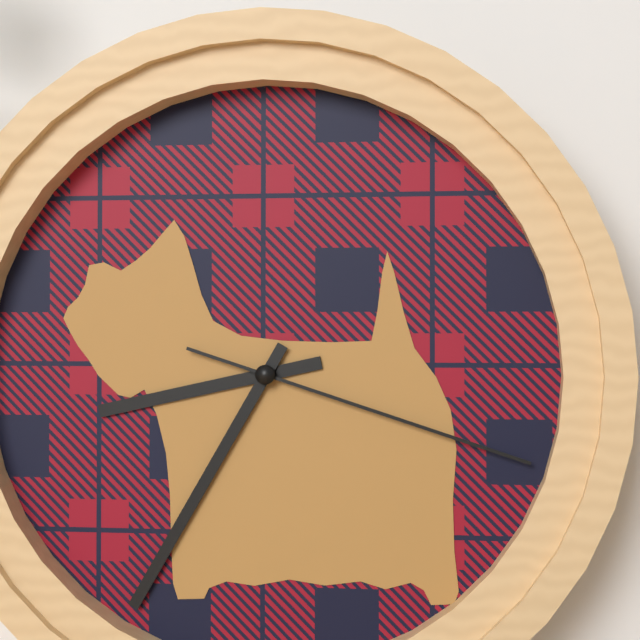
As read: h=8 m=35 s=18
